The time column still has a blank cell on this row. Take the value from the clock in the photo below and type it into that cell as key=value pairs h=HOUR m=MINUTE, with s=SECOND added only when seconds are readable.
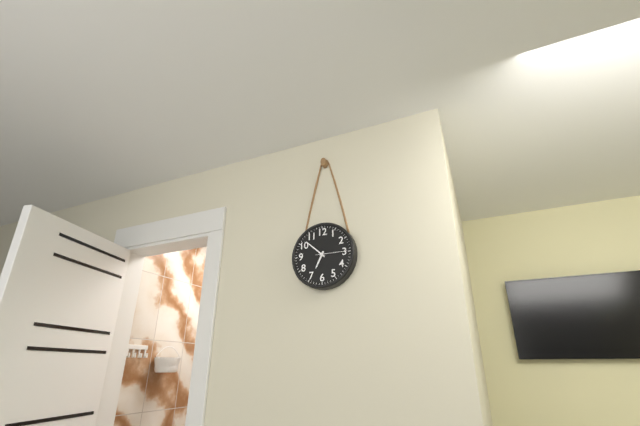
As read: h=6 m=52
